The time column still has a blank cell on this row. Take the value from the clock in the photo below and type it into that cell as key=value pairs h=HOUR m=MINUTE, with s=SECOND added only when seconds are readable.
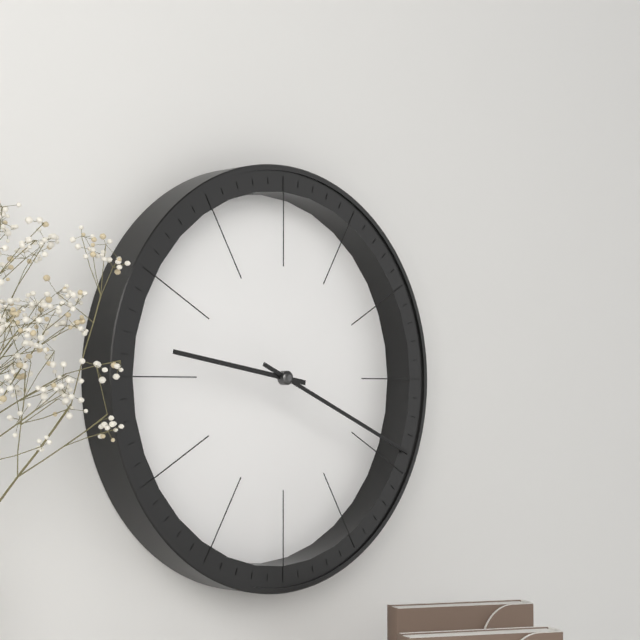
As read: h=9 m=19
